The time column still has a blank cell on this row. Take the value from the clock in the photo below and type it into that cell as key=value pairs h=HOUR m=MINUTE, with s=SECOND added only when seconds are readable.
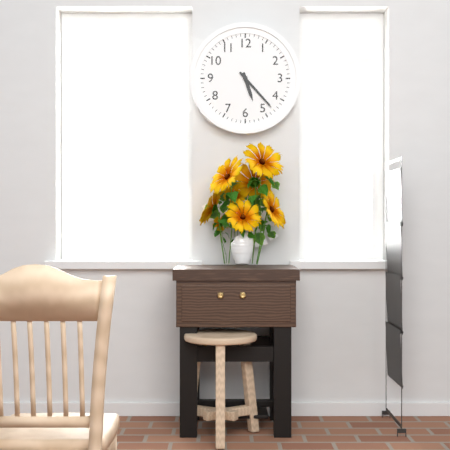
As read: h=5 m=23
